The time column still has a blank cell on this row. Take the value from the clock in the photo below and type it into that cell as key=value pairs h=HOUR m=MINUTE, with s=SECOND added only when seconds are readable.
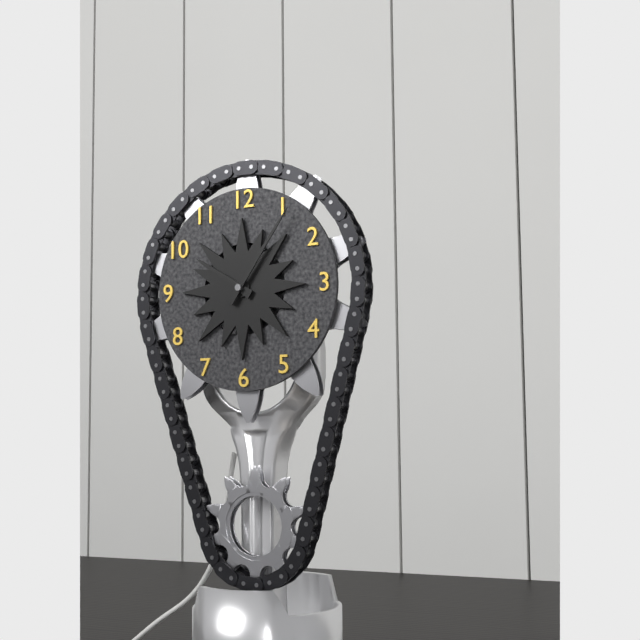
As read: h=10 m=6
